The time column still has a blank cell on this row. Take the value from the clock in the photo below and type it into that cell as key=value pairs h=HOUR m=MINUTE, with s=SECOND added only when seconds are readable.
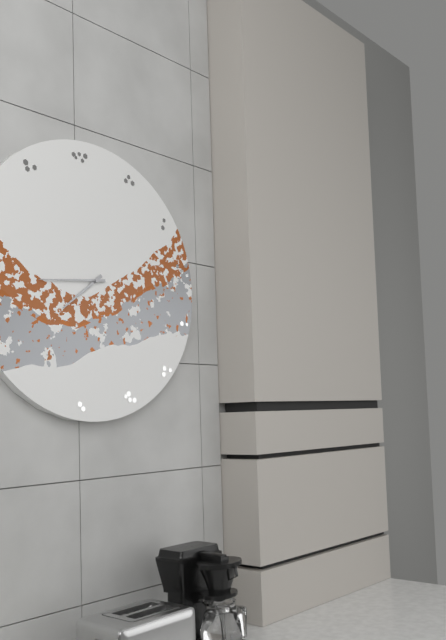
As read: h=7 m=44
